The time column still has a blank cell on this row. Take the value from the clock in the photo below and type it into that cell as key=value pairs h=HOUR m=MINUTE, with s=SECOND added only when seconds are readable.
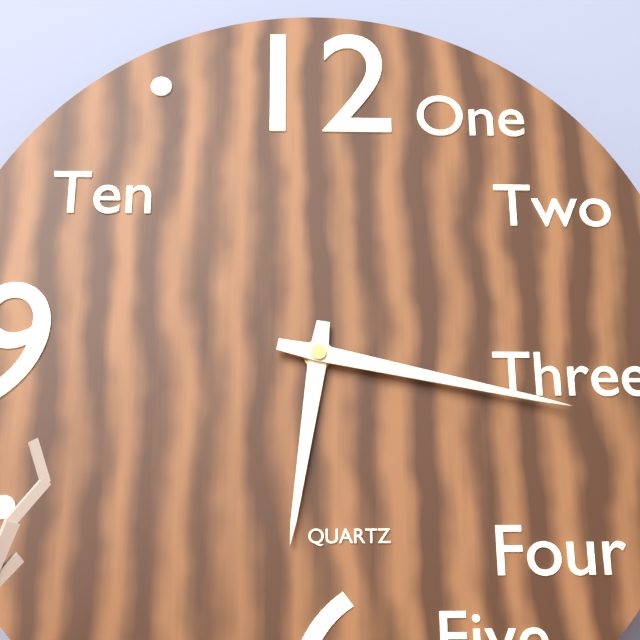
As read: h=6 m=17
